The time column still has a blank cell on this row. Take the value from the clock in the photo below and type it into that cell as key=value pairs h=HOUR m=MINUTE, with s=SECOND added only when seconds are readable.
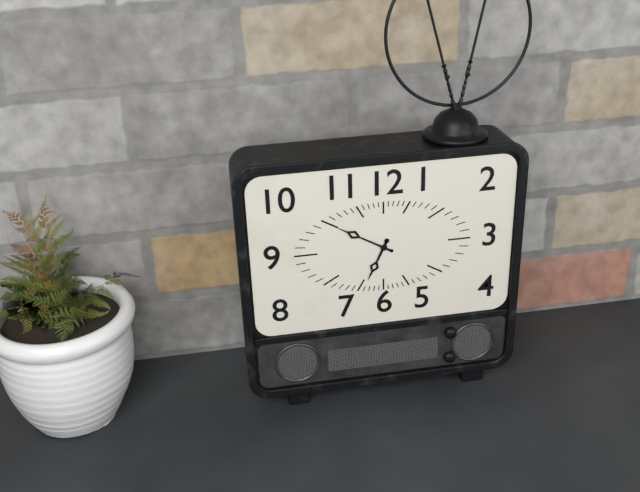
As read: h=6 m=50
